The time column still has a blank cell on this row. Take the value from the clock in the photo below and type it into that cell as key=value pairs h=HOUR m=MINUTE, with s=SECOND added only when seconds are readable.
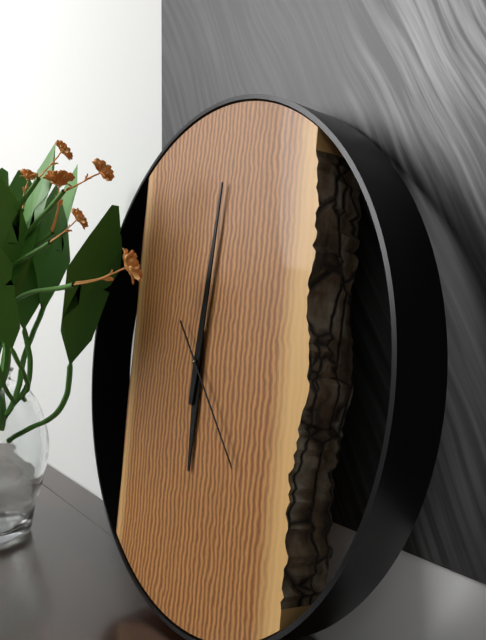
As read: h=6 m=1 s=23
